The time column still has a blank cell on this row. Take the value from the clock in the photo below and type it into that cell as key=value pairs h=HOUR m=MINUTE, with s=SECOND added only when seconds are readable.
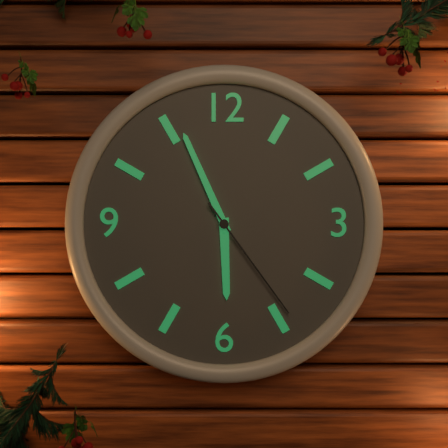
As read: h=5 m=56 s=24
